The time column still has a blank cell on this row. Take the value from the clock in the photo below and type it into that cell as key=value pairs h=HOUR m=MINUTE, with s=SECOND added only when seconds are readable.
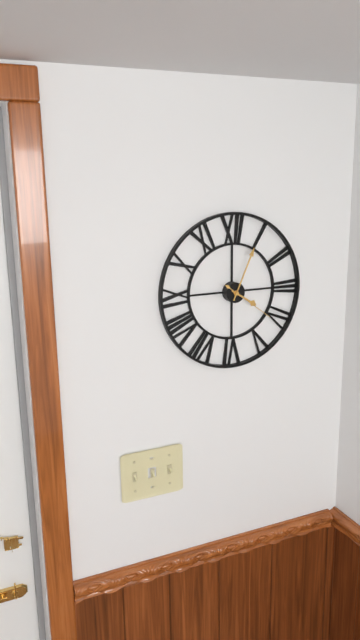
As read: h=4 m=4 s=21
